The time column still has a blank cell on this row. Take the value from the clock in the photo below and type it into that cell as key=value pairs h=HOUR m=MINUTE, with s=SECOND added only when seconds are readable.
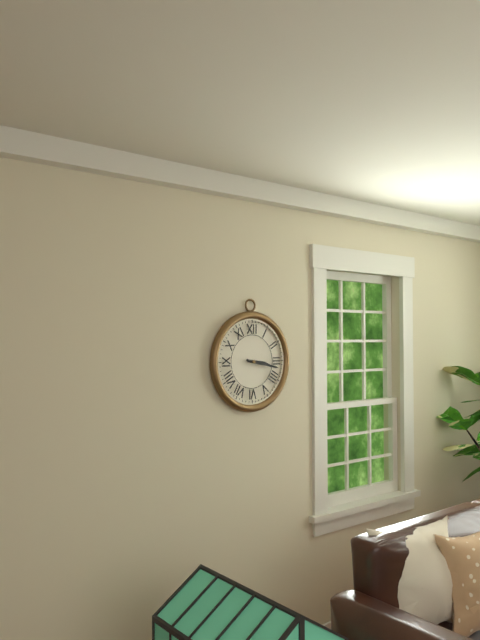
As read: h=3 m=17
